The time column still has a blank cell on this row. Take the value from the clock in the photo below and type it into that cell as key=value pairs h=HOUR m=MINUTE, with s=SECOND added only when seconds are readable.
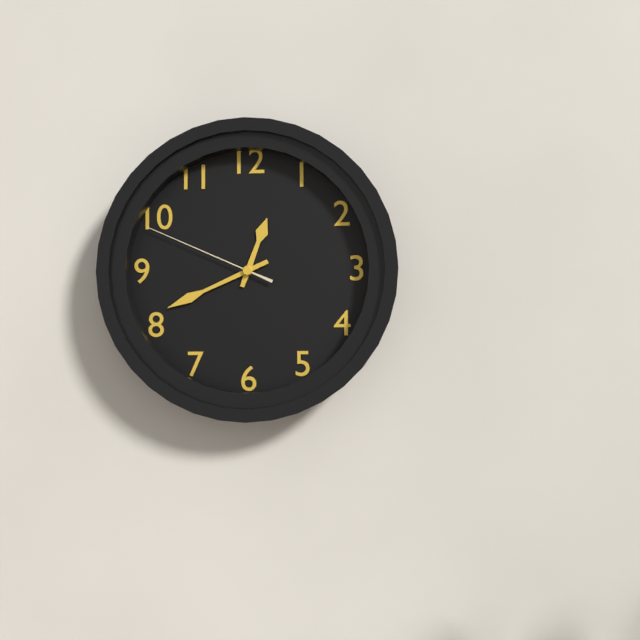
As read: h=12 m=41 s=49
